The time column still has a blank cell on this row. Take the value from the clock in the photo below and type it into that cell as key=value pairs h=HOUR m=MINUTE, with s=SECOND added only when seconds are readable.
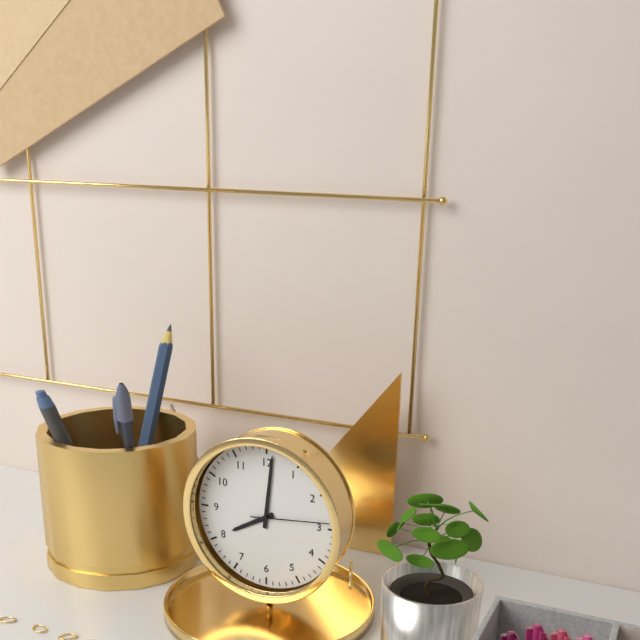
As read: h=8 m=1 s=14
